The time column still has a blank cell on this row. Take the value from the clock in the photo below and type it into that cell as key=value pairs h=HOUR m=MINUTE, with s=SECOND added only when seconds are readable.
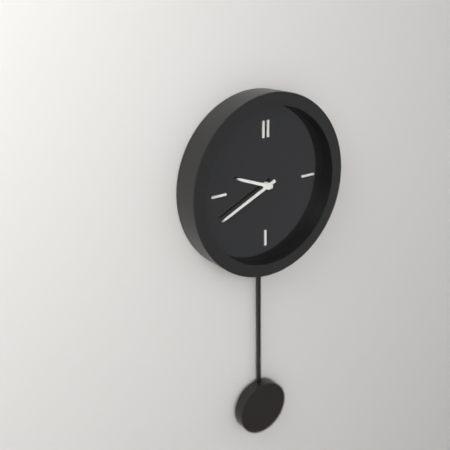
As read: h=9 m=41
